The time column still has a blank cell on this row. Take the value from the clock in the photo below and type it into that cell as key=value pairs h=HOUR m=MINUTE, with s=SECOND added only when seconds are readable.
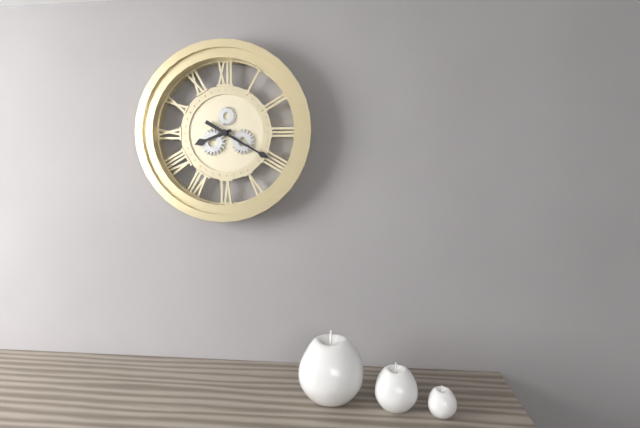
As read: h=8 m=20
